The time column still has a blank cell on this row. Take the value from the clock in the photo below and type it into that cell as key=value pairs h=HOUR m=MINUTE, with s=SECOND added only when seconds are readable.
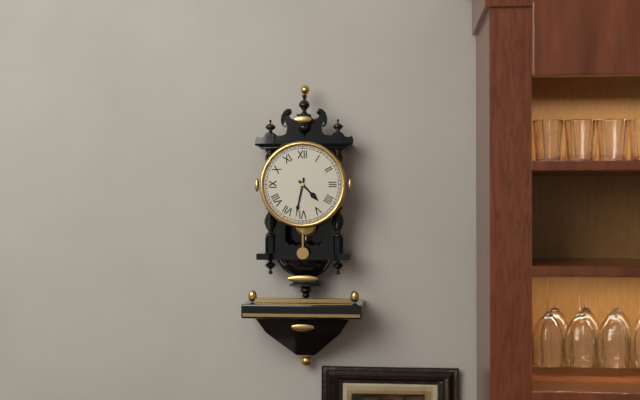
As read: h=4 m=32
